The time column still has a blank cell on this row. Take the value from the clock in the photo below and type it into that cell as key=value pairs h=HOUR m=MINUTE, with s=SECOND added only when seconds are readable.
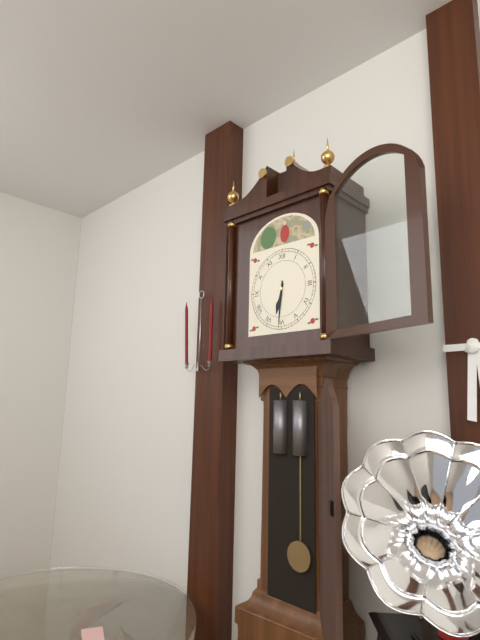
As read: h=6 m=31
